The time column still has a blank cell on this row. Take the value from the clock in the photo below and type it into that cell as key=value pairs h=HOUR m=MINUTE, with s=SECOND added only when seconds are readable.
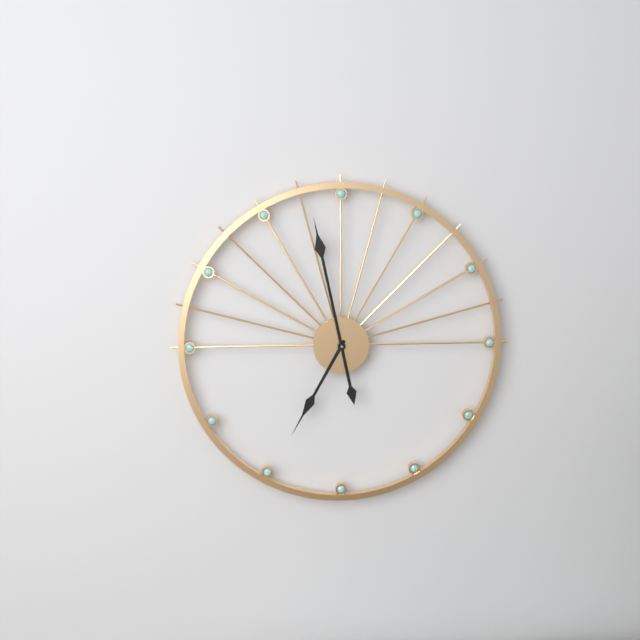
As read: h=6 m=58
